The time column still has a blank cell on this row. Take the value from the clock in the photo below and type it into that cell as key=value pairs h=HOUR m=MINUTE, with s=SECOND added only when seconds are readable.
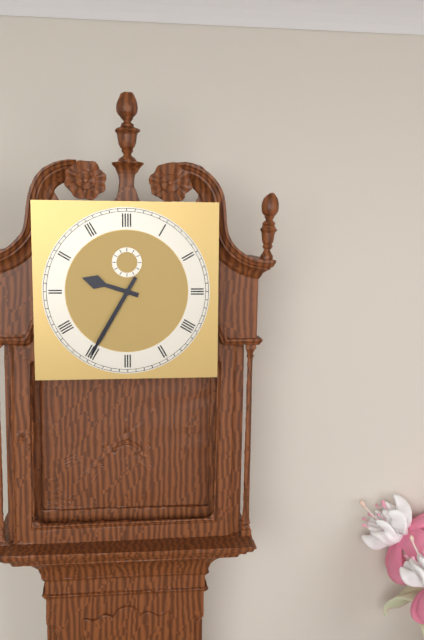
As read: h=9 m=35
